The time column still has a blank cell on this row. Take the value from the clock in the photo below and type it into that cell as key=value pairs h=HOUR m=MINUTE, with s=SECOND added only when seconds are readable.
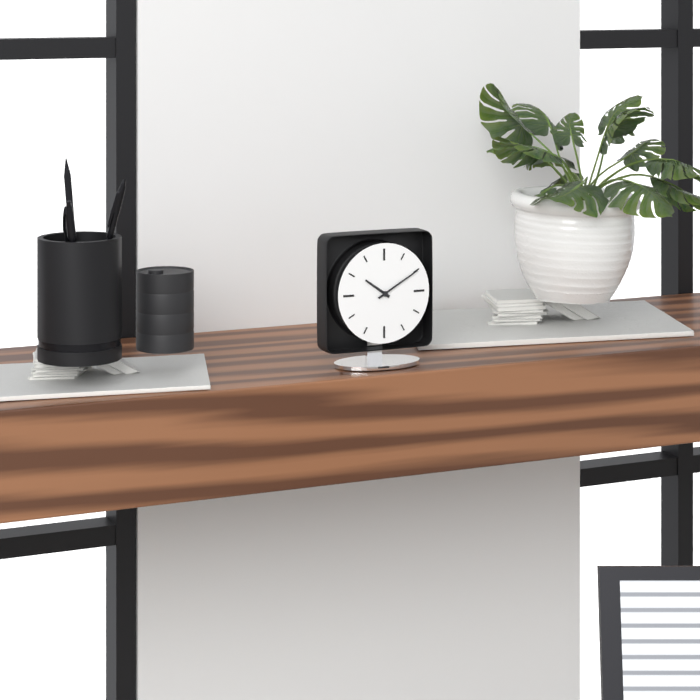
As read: h=10 m=10
